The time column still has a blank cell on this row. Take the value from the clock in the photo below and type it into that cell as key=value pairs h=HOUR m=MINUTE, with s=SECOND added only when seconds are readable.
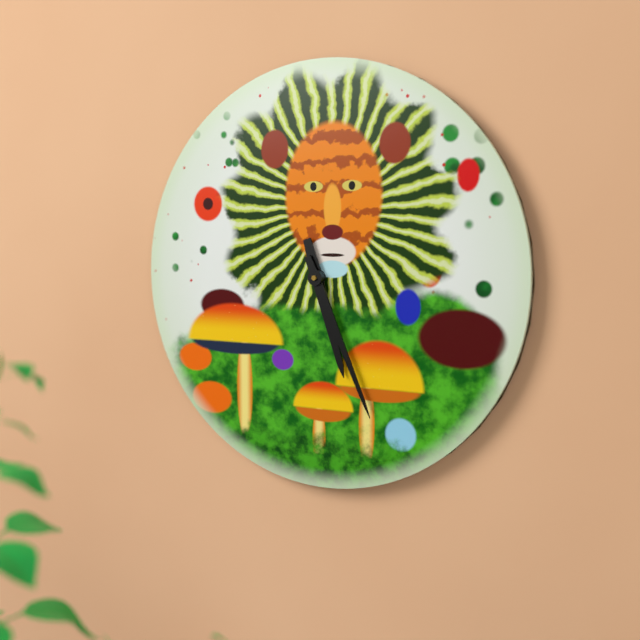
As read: h=5 m=26
